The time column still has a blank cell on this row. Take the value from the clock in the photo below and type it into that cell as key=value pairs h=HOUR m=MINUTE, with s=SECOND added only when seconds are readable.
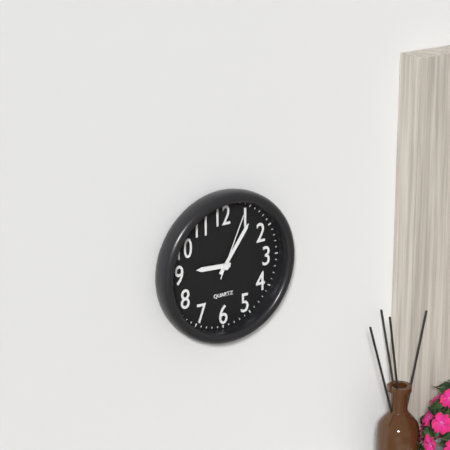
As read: h=9 m=6 s=4
